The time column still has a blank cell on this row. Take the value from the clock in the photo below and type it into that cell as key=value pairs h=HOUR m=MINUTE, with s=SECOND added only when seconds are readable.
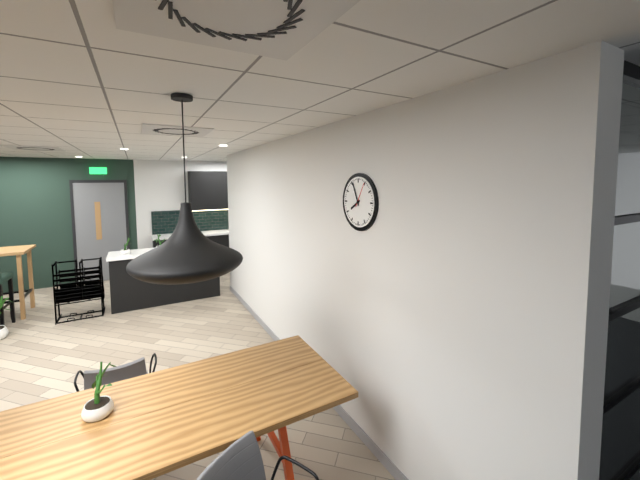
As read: h=7 m=56
